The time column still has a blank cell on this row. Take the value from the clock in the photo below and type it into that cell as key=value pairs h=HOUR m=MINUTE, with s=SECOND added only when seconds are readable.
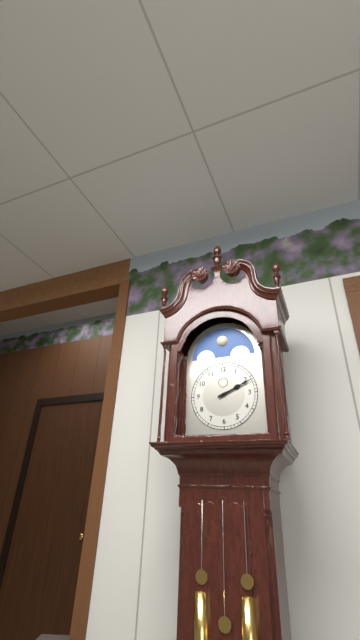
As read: h=2 m=11
